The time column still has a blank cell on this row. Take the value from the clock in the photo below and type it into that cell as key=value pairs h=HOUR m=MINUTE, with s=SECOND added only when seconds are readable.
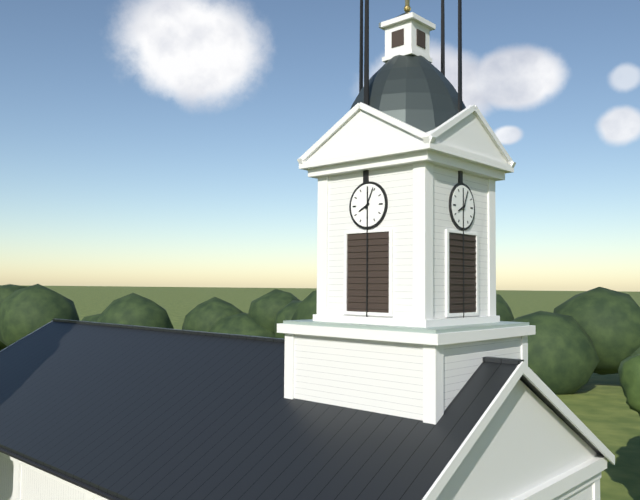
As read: h=8 m=4
